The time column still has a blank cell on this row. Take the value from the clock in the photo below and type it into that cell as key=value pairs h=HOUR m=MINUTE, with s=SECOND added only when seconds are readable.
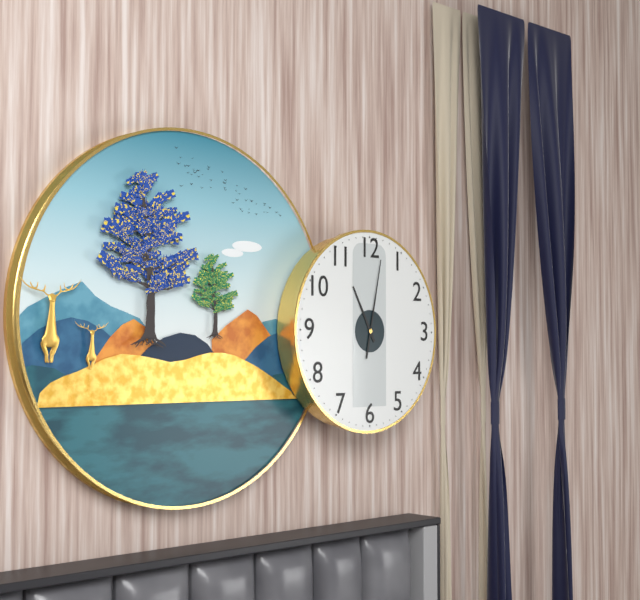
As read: h=11 m=2
